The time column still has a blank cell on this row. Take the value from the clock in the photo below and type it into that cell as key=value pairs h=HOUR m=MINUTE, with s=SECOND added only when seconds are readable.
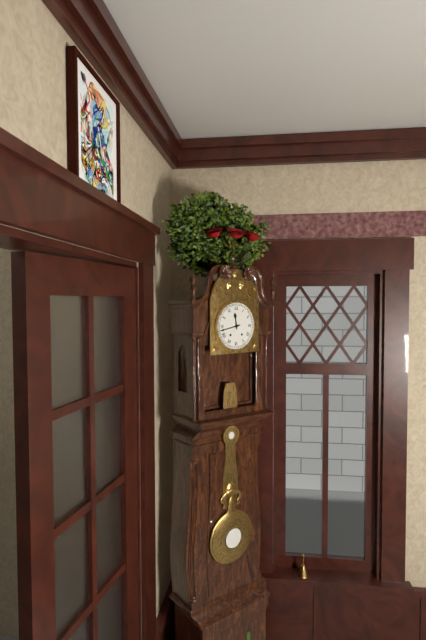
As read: h=11 m=43
